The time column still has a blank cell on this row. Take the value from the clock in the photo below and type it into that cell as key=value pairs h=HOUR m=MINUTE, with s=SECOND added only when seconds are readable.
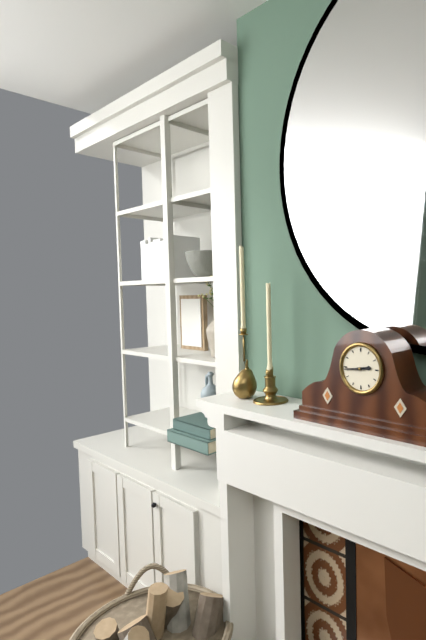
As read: h=2 m=44
